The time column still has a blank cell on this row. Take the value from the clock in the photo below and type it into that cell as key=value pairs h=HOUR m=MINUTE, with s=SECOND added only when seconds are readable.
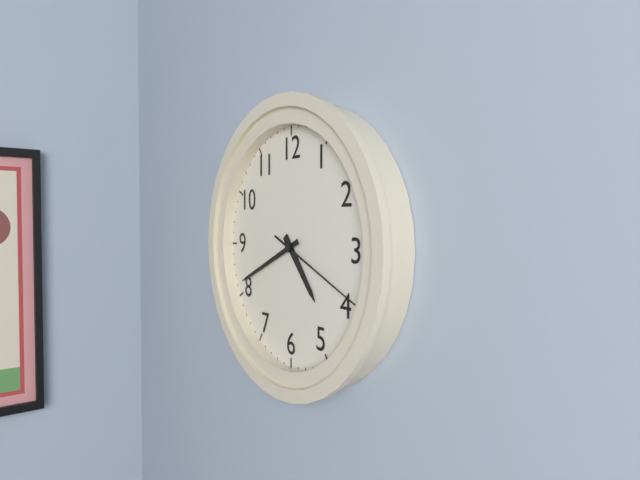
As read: h=4 m=41 s=19
